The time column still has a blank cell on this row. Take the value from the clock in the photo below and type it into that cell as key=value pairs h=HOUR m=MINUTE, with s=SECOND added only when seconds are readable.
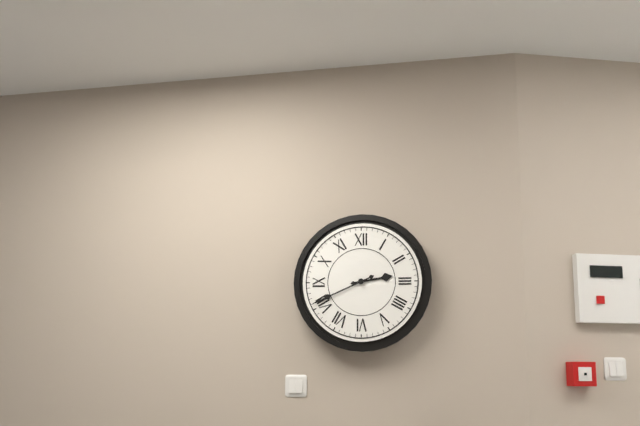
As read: h=2 m=41
